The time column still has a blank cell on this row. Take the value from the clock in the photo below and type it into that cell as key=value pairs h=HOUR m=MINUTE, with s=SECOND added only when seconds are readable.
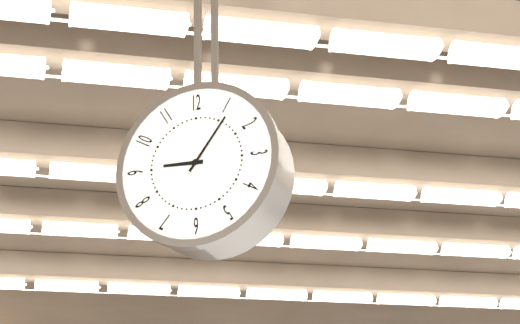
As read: h=9 m=6
